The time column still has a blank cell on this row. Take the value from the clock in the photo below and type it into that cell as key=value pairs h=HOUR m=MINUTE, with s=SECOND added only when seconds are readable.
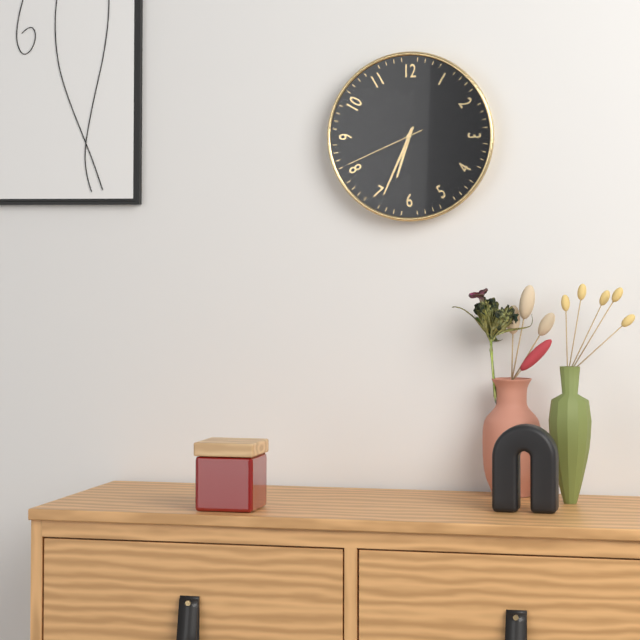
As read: h=6 m=34 s=41
